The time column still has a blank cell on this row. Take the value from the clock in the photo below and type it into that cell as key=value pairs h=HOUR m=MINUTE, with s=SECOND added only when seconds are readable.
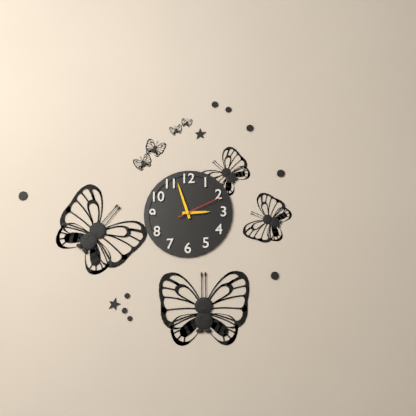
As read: h=2 m=57
